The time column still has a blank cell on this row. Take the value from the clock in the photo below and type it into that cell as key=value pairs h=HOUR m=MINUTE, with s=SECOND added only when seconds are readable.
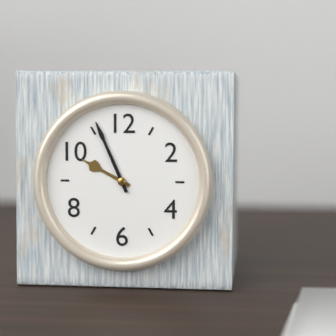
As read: h=9 m=56
